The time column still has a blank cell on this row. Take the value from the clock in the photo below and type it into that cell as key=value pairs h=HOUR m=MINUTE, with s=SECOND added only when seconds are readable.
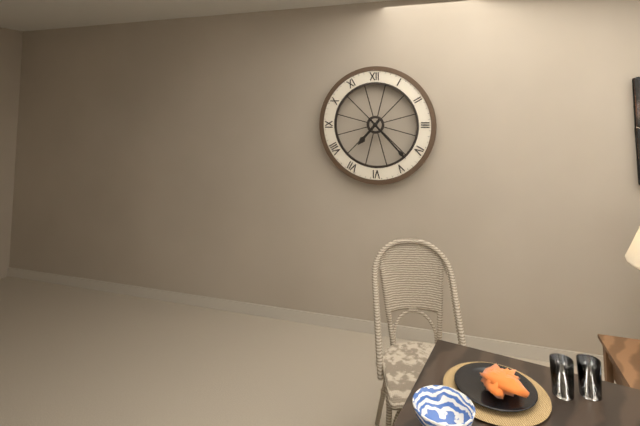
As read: h=7 m=23
